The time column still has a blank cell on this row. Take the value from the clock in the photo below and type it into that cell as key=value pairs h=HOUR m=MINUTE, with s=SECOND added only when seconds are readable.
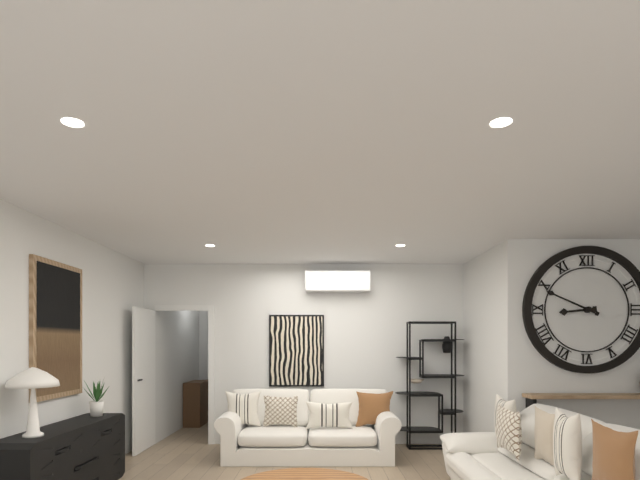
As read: h=8 m=49
